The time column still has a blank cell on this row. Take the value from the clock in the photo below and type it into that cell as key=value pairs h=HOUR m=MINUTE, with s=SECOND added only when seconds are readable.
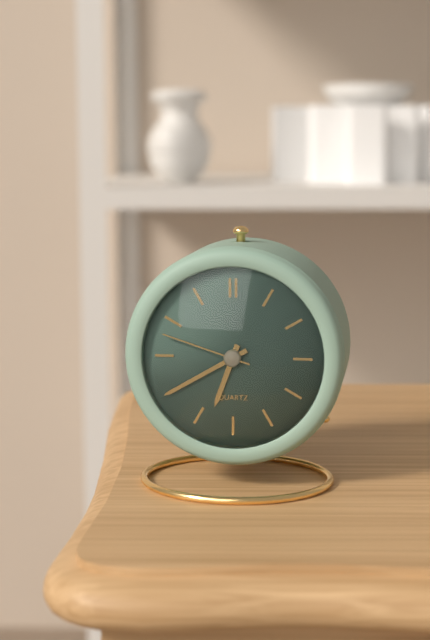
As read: h=6 m=40 s=48
